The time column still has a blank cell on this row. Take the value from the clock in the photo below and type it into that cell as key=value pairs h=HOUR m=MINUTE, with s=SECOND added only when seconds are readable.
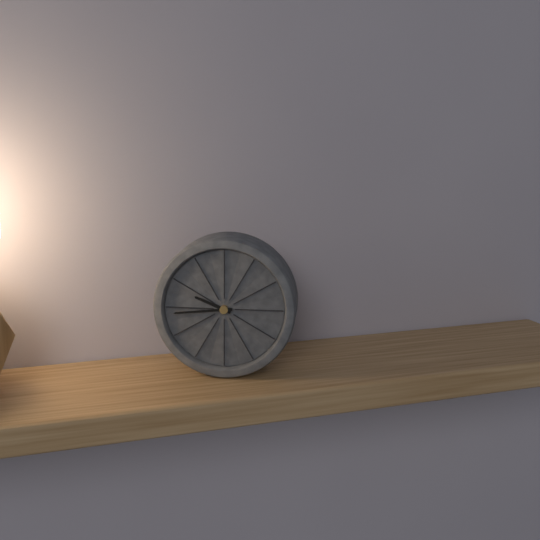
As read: h=9 m=44
